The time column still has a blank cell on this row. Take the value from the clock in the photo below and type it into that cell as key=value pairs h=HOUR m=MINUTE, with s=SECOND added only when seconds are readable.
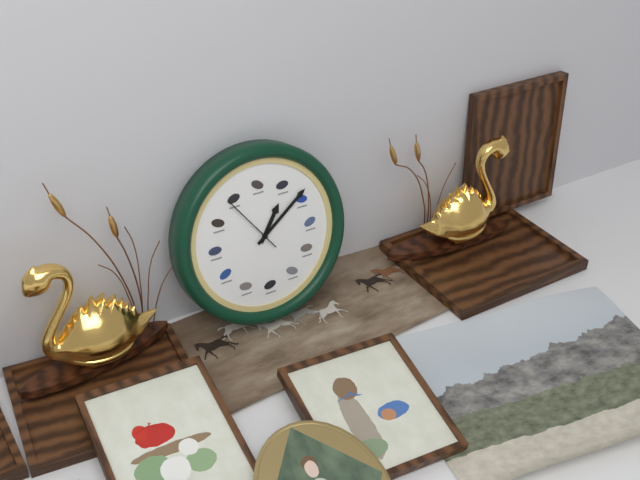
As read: h=1 m=9 s=54
